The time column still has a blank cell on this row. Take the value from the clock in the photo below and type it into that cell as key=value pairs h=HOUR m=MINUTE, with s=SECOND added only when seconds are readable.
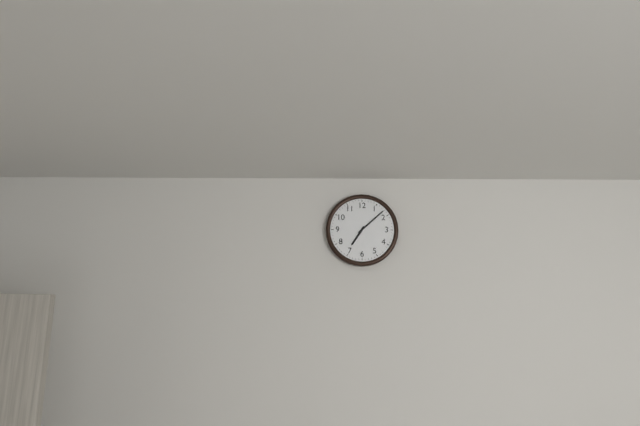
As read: h=7 m=8
